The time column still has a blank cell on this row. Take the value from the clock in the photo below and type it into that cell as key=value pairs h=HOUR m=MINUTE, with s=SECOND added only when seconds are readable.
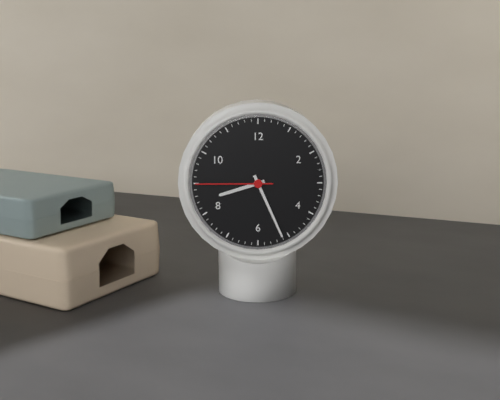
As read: h=8 m=26 s=45
